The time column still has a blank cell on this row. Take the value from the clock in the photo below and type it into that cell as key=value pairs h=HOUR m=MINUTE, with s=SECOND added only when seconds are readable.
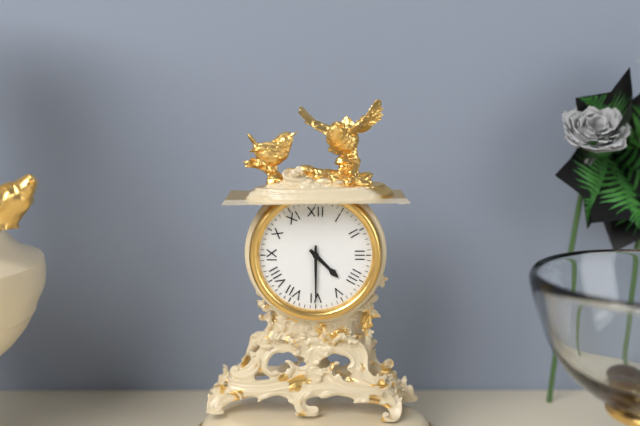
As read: h=4 m=30
